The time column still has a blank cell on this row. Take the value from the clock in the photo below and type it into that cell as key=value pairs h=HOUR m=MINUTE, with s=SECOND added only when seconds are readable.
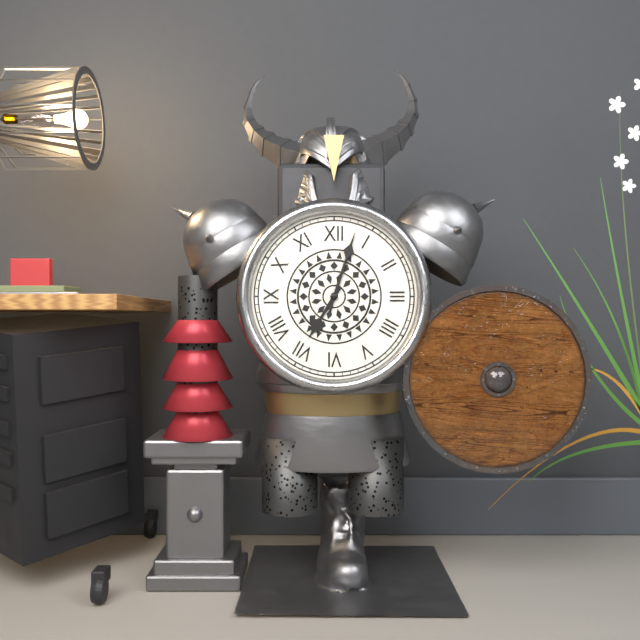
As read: h=7 m=3
